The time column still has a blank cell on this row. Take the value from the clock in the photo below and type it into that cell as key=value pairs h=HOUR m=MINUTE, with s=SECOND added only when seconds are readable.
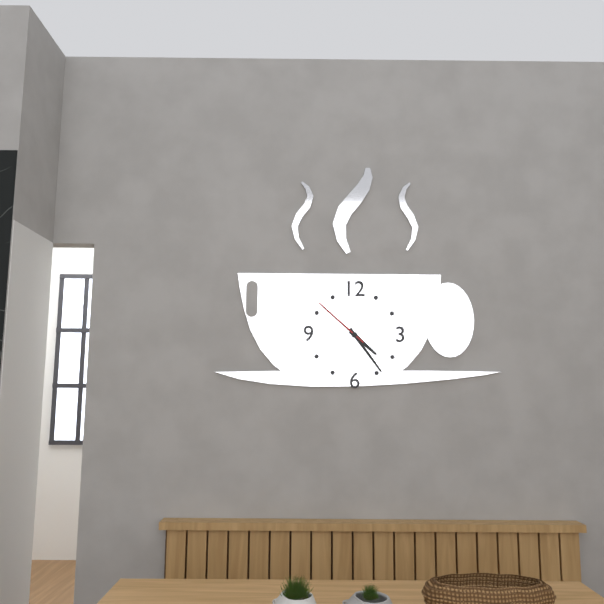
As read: h=4 m=24 s=52
